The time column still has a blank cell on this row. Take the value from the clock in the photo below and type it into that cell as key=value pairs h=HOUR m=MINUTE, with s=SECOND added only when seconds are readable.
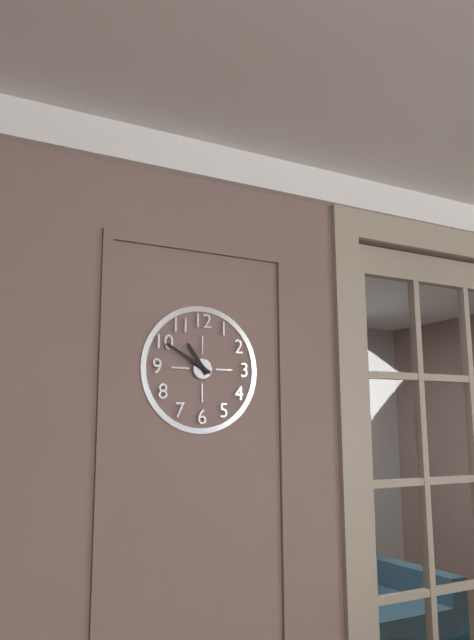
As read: h=10 m=50
